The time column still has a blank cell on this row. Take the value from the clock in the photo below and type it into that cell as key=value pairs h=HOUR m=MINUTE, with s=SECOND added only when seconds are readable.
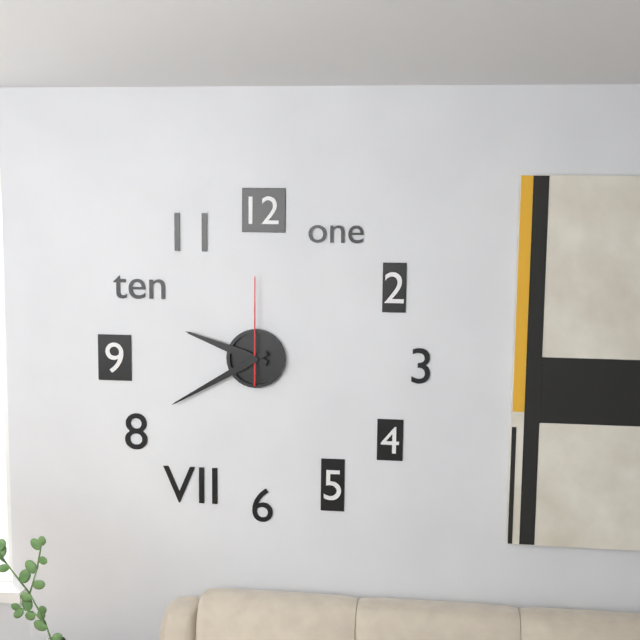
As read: h=9 m=40 s=0
